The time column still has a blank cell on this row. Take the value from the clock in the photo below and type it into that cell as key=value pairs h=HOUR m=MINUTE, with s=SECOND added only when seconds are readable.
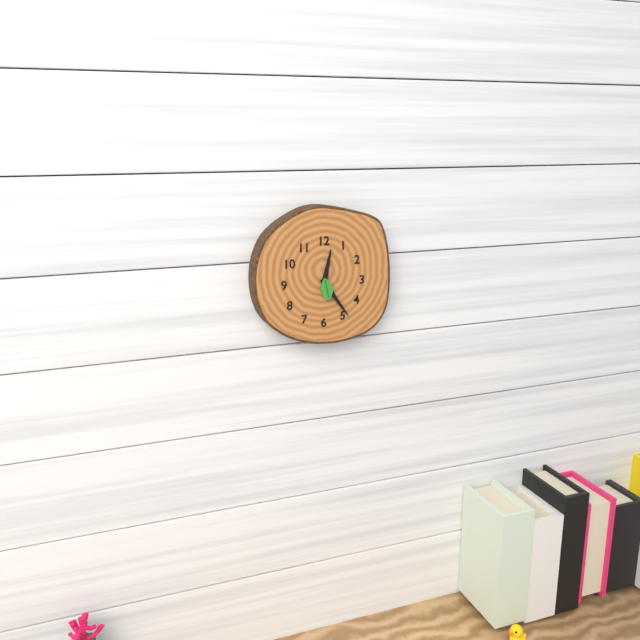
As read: h=12 m=24
